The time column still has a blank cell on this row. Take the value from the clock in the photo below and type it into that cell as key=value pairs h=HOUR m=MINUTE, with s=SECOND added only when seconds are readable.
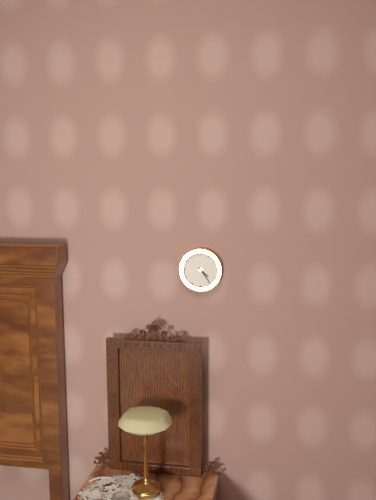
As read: h=4 m=24
